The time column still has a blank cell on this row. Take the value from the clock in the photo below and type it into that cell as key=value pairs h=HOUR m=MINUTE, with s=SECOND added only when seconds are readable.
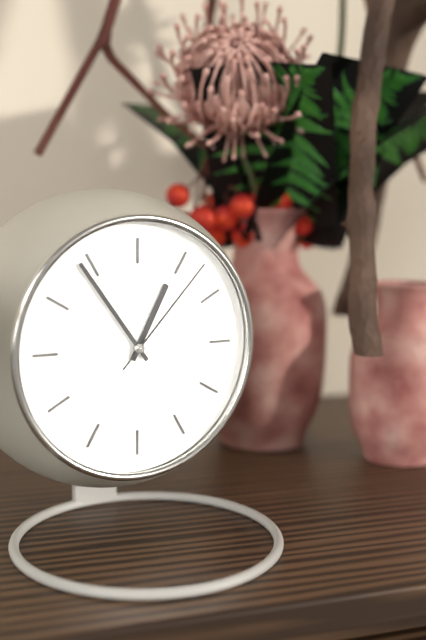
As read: h=12 m=54 s=7
